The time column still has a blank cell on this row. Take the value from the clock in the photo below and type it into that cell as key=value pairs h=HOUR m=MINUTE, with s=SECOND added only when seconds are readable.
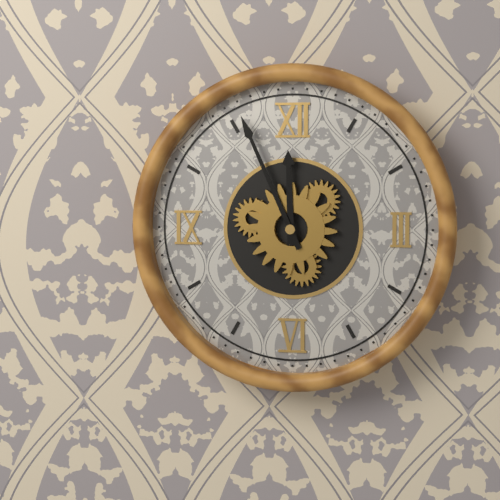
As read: h=11 m=56
